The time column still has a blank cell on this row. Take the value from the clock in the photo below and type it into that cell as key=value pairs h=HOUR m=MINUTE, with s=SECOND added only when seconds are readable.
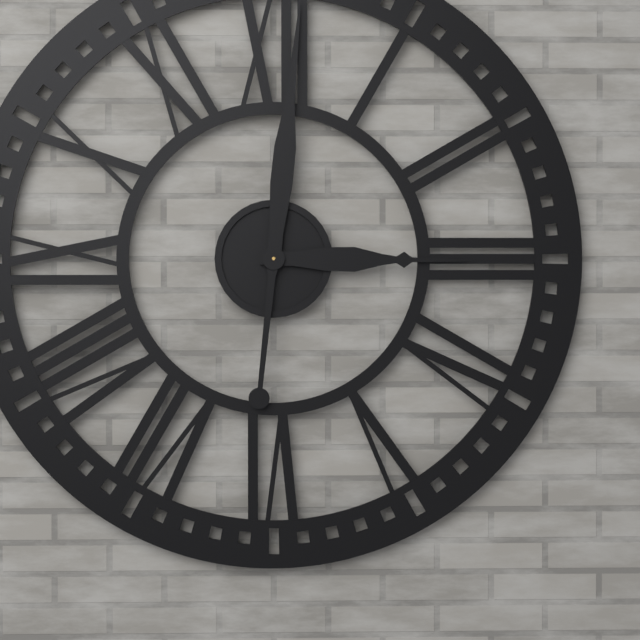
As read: h=3 m=1
